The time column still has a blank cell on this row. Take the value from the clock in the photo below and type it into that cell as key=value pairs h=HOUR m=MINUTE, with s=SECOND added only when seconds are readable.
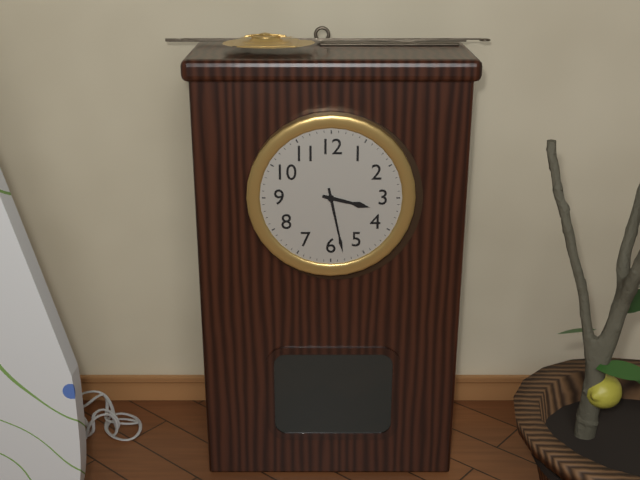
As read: h=3 m=28
